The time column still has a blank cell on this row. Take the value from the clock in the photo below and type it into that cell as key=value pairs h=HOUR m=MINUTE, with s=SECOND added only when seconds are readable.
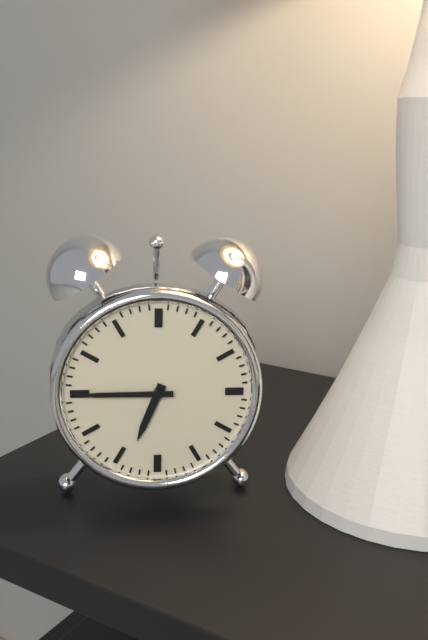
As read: h=6 m=45
